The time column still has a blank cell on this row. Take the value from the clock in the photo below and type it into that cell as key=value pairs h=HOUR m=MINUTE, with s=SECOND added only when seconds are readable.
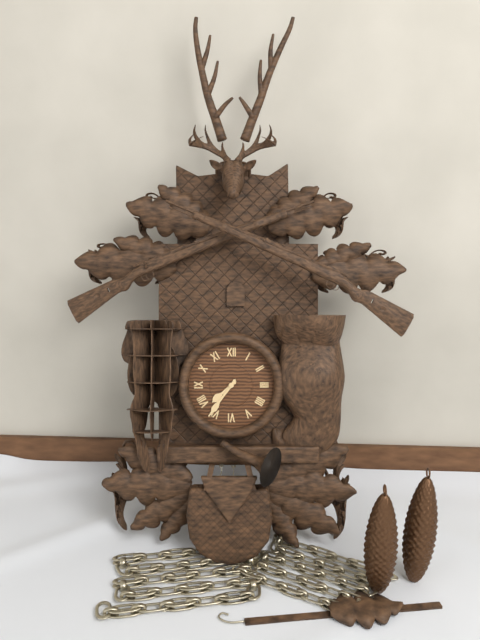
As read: h=7 m=36
